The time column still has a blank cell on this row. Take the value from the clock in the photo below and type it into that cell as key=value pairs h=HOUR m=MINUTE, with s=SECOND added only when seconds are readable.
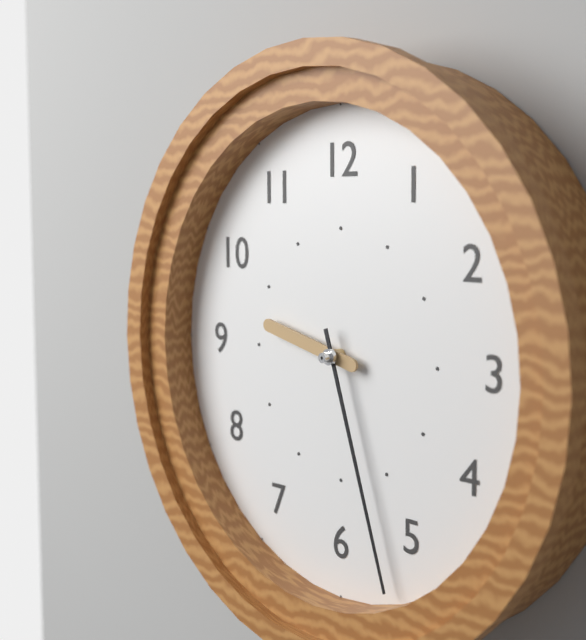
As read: h=9 m=27
